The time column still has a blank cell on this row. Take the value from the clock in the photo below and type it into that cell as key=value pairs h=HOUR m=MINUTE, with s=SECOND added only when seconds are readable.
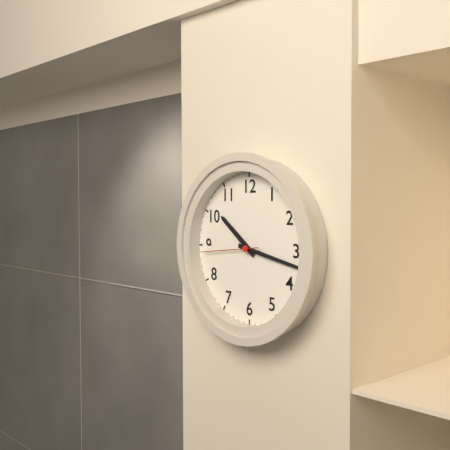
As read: h=10 m=17 s=44
